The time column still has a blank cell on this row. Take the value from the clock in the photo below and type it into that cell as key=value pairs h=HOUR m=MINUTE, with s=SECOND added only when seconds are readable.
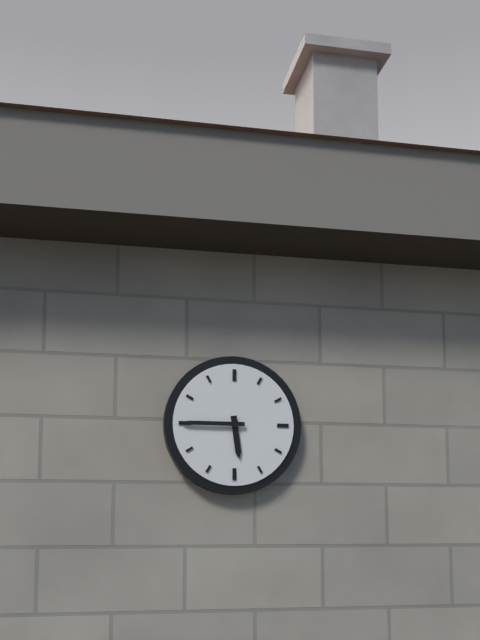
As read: h=5 m=45
